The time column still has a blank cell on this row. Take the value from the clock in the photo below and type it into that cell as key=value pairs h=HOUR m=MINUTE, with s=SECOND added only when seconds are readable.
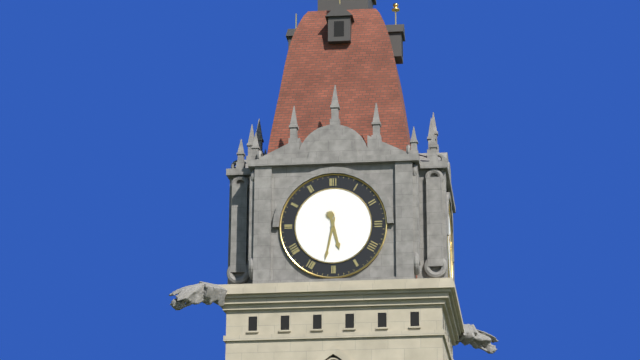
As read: h=5 m=32
